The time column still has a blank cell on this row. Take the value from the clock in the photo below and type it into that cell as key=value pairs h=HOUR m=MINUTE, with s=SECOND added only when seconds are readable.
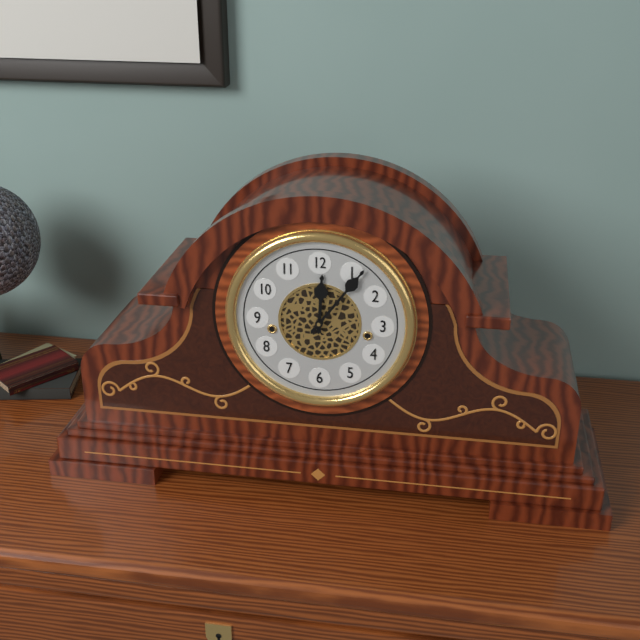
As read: h=12 m=6
